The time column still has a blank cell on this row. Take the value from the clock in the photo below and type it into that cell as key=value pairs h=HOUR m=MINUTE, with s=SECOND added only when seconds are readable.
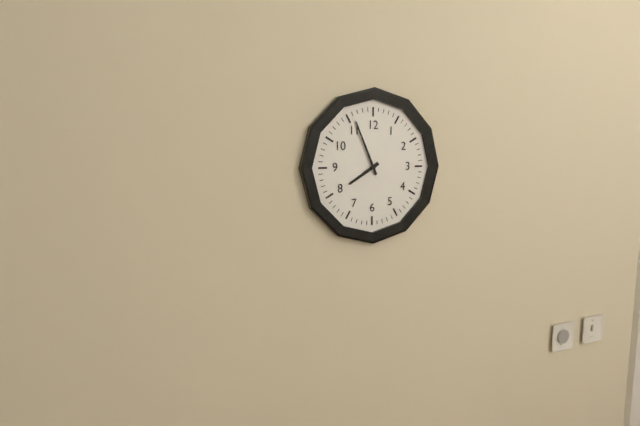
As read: h=7 m=56
